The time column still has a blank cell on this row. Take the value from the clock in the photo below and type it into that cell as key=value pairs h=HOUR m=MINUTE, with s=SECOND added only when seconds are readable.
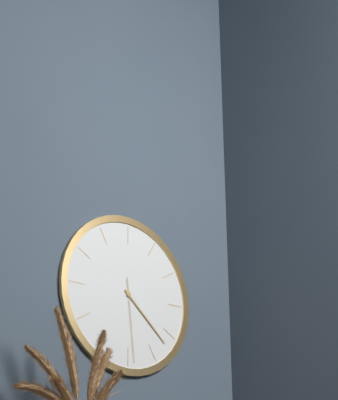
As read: h=4 m=22 s=29
